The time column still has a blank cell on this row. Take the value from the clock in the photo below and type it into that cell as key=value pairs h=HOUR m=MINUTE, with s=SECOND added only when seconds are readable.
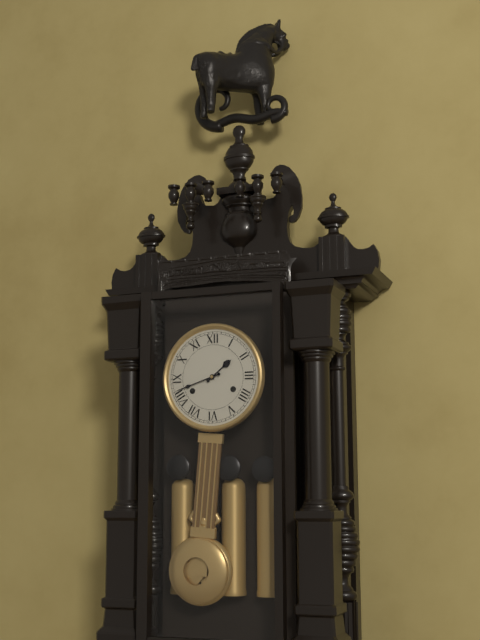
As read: h=1 m=42
